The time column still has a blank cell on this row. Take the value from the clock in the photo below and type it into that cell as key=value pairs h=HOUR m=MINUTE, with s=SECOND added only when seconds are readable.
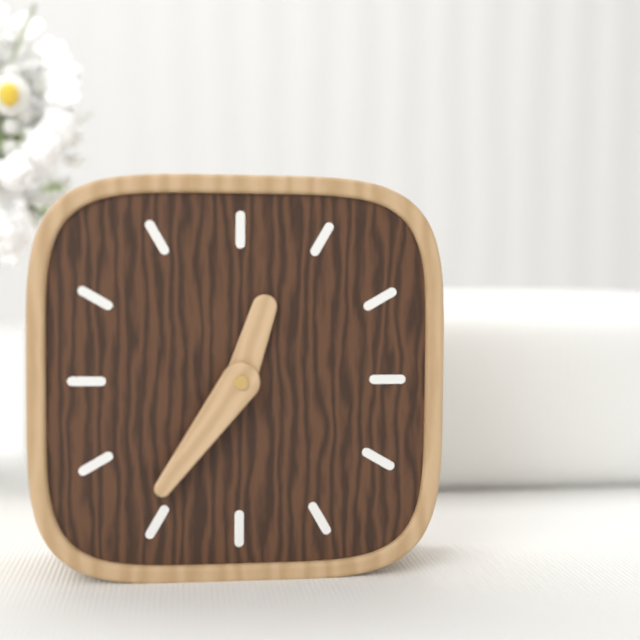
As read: h=12 m=36
